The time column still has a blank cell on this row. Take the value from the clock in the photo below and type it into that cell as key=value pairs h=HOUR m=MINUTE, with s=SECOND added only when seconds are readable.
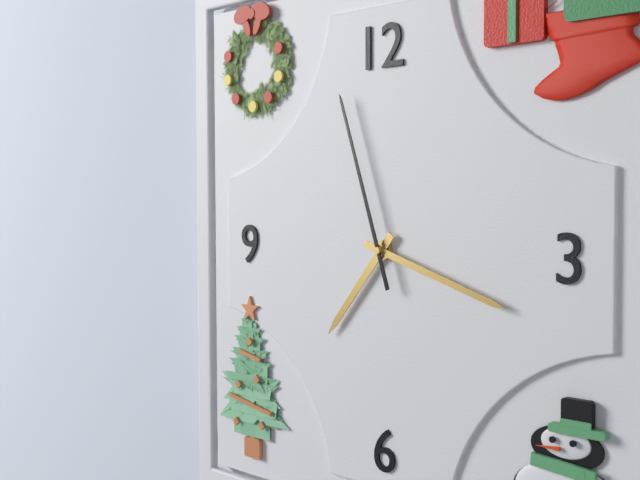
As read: h=7 m=18 s=57
